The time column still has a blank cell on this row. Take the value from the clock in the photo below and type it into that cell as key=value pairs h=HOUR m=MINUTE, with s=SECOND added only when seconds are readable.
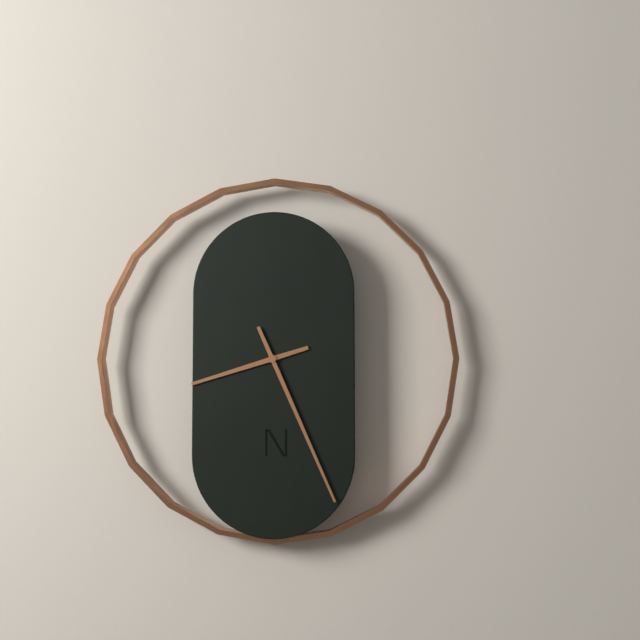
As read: h=8 m=26
